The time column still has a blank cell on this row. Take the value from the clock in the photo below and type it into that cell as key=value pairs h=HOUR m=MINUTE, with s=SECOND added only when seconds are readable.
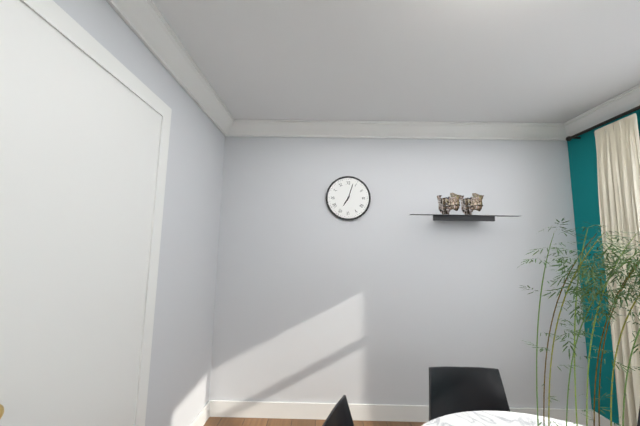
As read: h=7 m=3
